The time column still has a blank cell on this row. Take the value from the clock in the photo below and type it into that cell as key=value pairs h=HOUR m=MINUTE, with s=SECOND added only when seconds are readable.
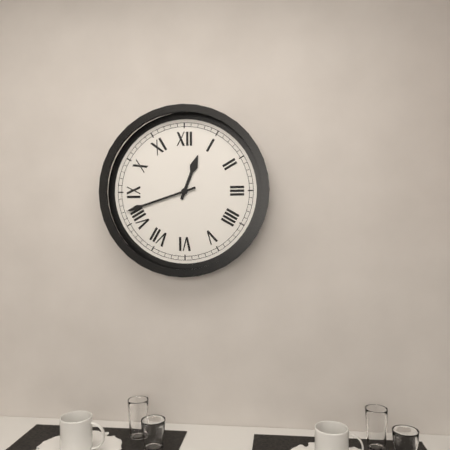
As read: h=12 m=42
